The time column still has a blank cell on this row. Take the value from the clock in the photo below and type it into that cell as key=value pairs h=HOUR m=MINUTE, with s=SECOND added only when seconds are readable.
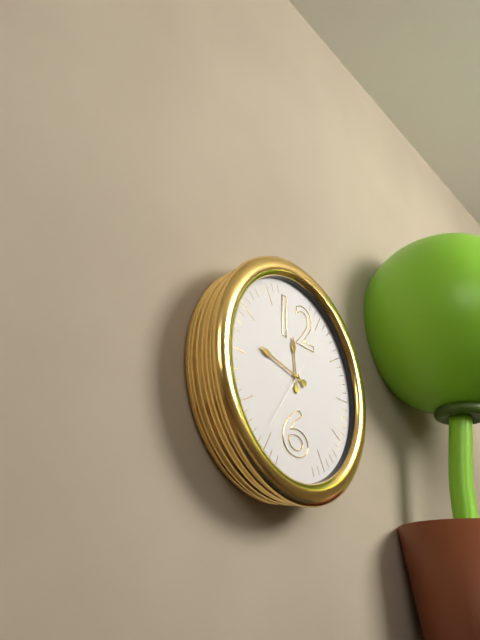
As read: h=11 m=47 s=36
